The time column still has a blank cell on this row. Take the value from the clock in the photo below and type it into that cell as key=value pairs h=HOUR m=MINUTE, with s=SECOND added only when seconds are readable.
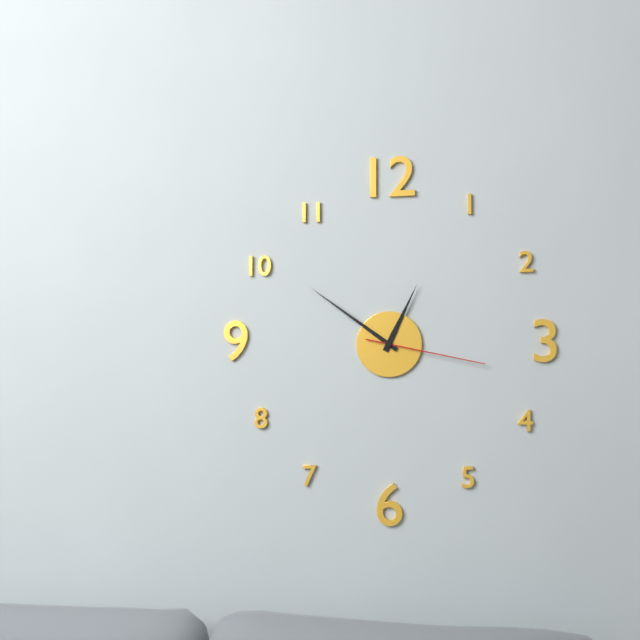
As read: h=12 m=51 s=17
